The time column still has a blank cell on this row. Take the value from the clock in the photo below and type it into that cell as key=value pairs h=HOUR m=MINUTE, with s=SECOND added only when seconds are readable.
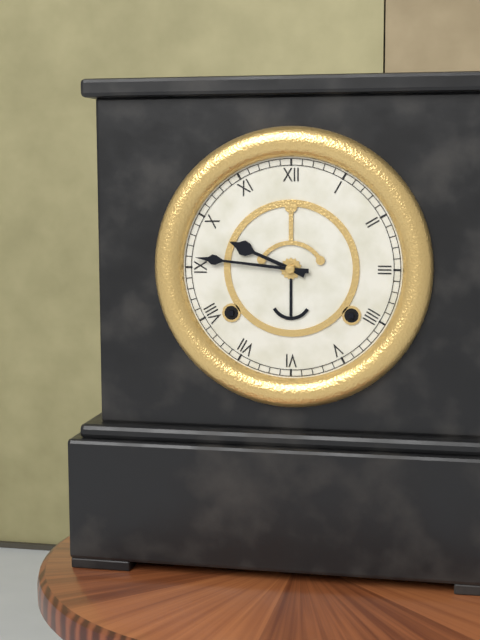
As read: h=9 m=46
